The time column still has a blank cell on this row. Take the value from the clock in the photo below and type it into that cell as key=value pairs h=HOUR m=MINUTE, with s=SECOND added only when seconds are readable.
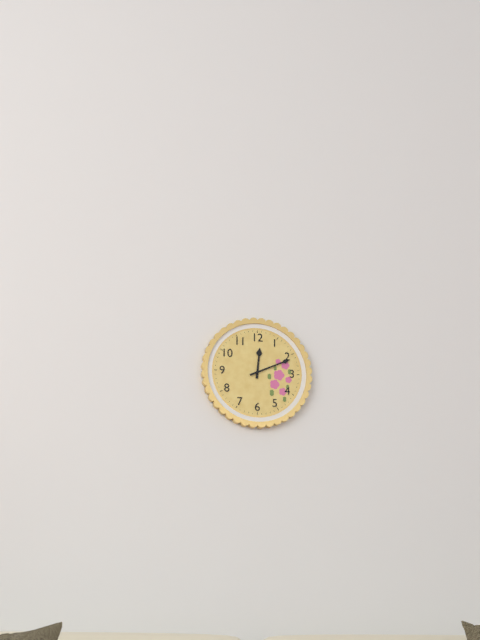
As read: h=12 m=11
